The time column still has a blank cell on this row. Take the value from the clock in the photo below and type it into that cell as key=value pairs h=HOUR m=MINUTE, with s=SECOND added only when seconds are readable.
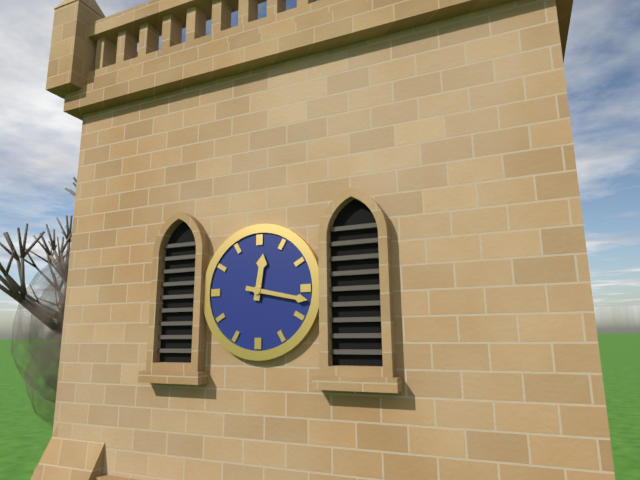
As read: h=12 m=17
